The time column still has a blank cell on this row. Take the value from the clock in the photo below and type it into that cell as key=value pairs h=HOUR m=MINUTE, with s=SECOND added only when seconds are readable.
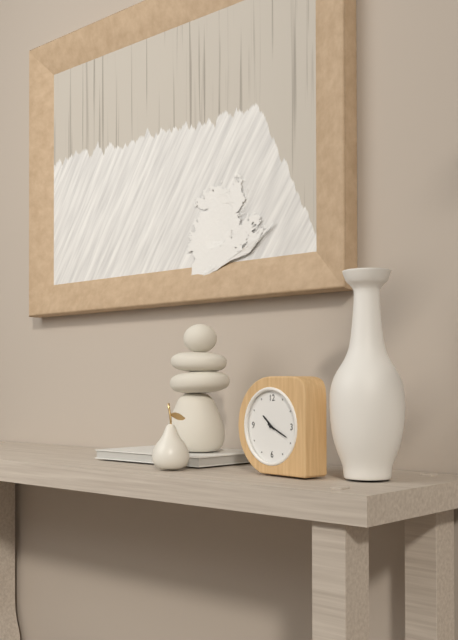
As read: h=10 m=19
